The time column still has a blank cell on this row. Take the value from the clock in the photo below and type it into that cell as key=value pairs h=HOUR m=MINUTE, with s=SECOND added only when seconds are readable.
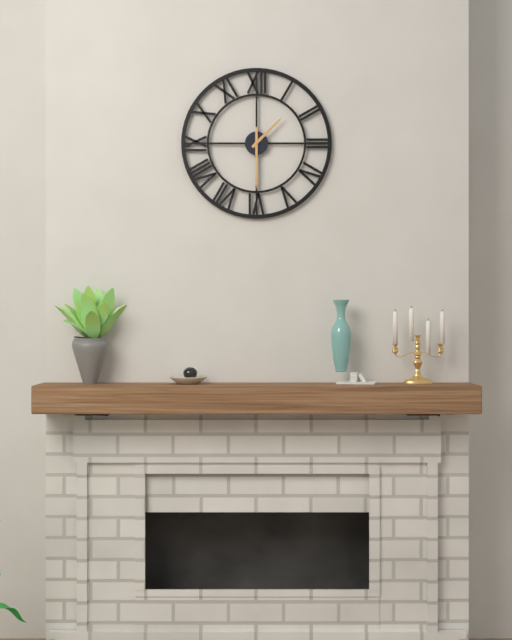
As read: h=1 m=30
